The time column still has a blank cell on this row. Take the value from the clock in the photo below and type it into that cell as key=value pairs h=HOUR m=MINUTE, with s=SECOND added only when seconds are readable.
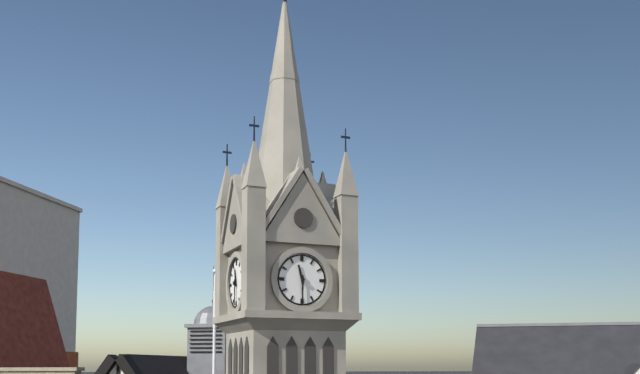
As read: h=11 m=30
